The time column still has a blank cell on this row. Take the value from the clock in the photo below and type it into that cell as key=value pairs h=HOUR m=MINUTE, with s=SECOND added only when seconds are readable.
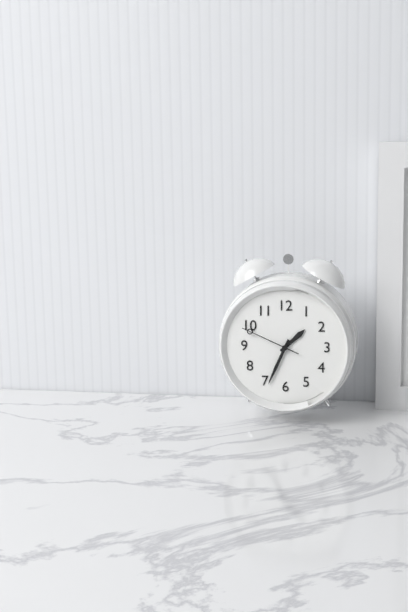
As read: h=1 m=34 s=49
